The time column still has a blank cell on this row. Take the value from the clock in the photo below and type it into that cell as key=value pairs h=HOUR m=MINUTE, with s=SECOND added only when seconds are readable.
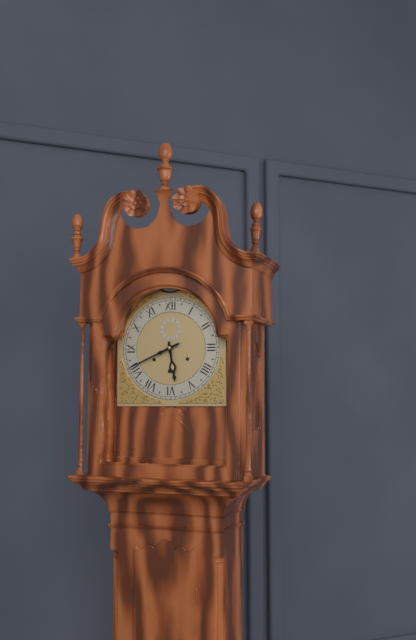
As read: h=5 m=41
